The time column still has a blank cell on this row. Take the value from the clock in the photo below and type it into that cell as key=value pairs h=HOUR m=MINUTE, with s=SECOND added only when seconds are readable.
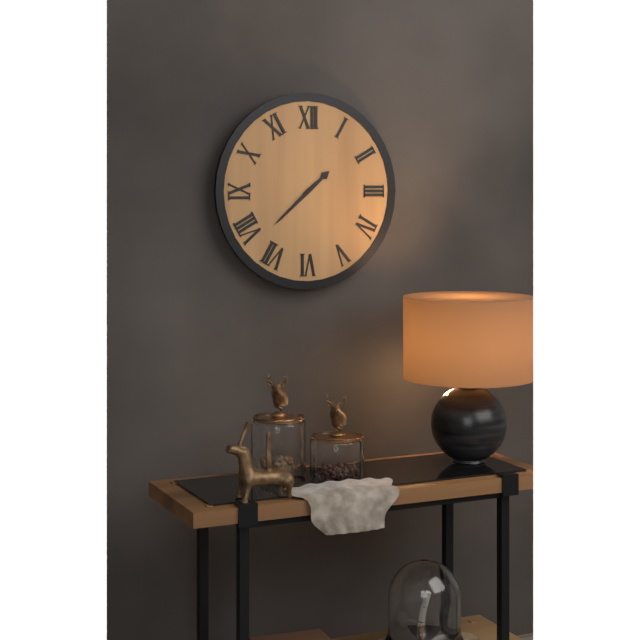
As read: h=1 m=38
